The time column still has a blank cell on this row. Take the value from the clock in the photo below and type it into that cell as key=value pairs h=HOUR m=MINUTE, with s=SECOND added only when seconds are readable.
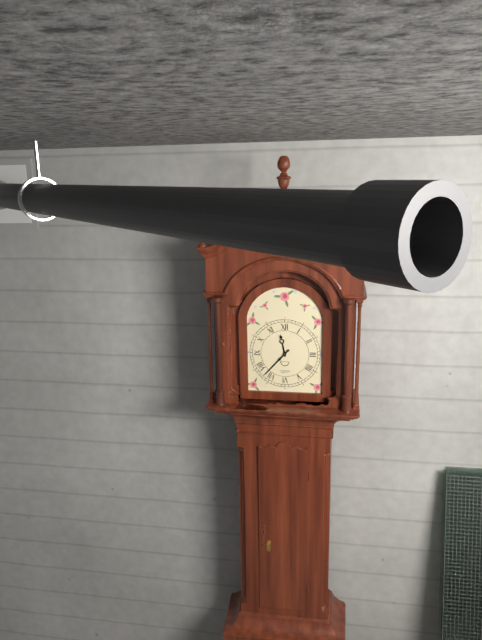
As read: h=11 m=37
